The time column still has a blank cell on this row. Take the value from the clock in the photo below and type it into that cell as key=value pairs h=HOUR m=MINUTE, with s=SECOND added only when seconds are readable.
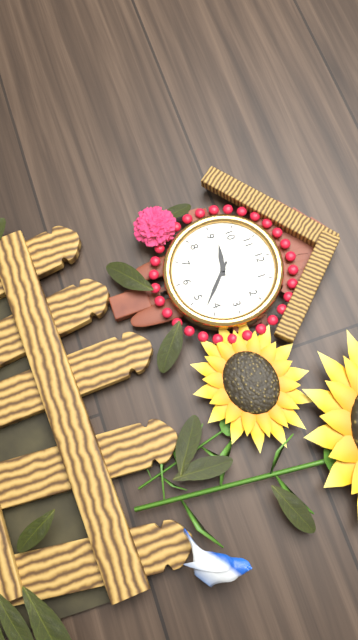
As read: h=9 m=22
